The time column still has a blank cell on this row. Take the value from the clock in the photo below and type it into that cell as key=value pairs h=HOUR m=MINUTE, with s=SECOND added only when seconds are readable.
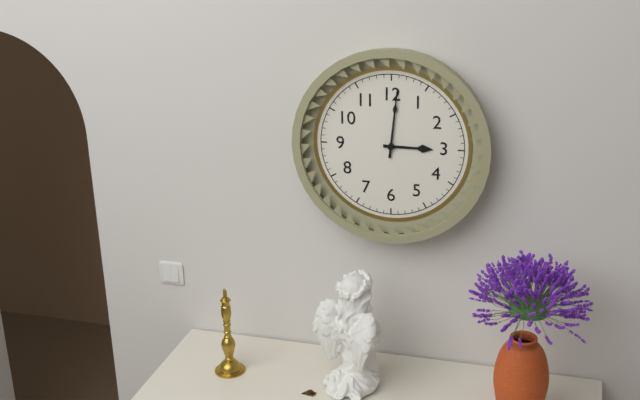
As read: h=3 m=1
